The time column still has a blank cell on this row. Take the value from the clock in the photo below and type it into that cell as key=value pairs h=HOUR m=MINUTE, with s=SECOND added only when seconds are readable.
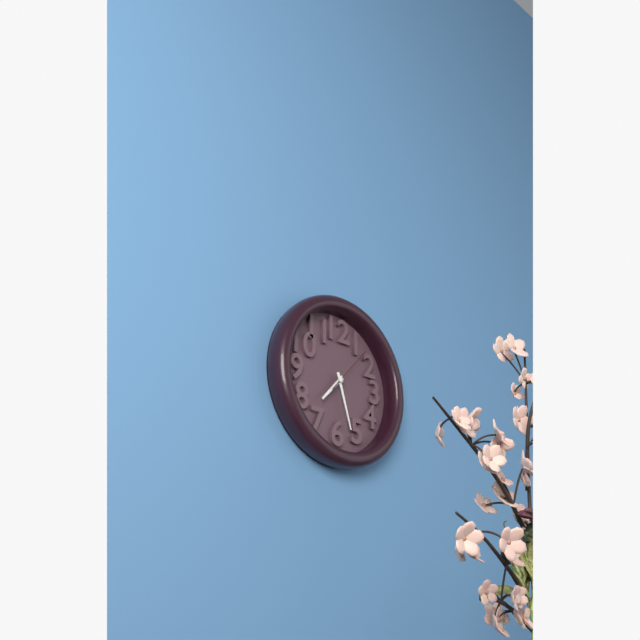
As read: h=7 m=27
